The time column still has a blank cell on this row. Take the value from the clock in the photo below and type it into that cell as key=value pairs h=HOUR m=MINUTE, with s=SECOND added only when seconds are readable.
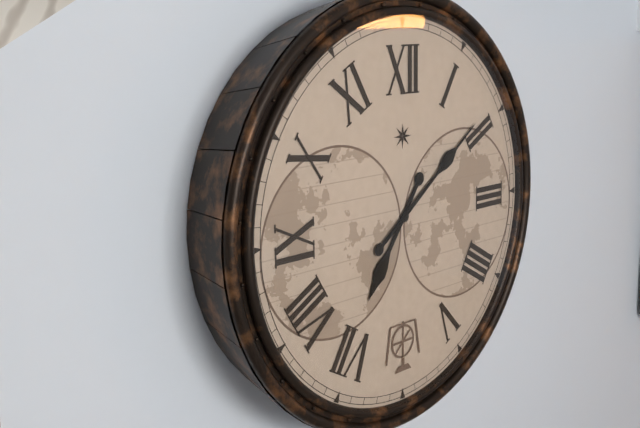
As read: h=7 m=9
